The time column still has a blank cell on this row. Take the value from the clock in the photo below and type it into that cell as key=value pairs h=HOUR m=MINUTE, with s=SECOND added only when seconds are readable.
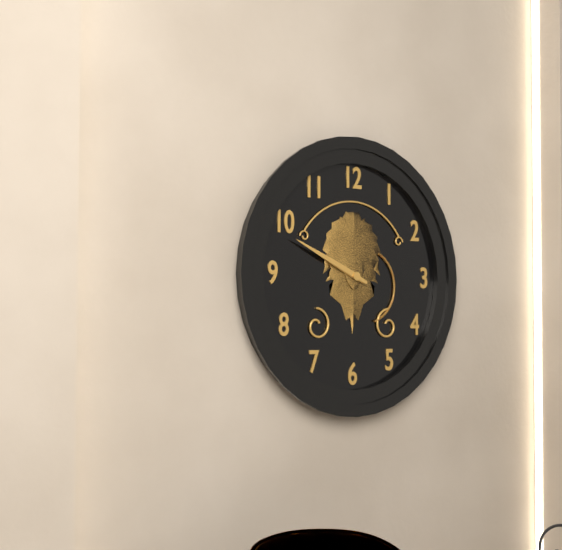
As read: h=9 m=49
